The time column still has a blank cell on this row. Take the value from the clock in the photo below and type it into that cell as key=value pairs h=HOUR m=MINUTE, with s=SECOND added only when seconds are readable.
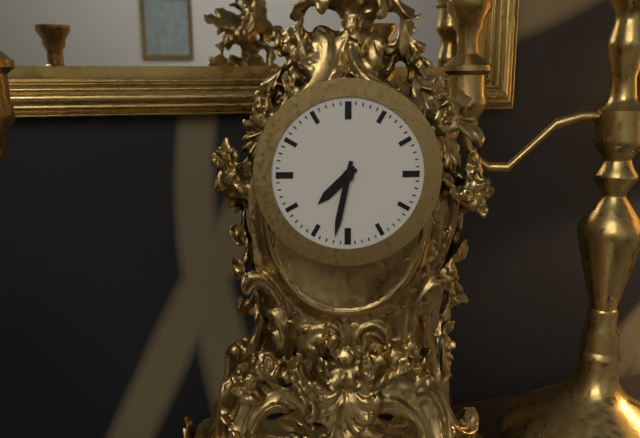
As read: h=7 m=32
